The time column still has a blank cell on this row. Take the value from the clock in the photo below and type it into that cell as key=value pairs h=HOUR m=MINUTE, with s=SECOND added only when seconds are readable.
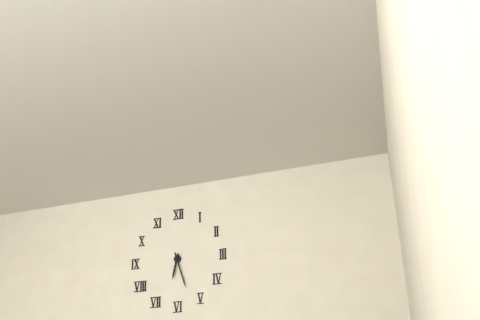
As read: h=6 m=27
